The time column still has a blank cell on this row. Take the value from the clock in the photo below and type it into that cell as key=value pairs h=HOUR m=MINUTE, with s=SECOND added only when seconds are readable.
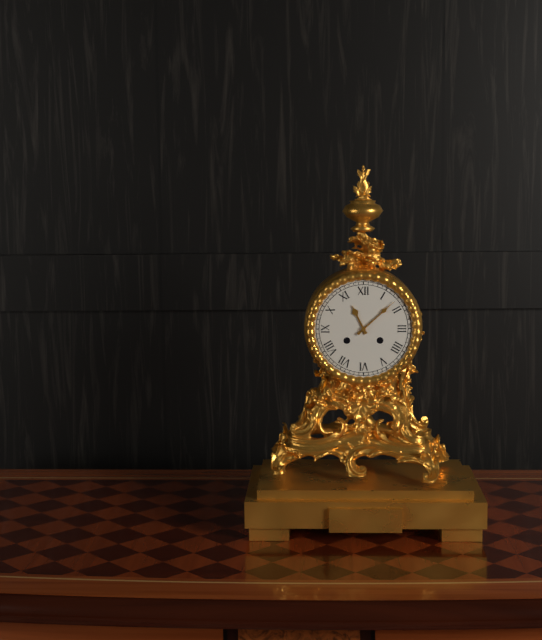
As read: h=11 m=8
